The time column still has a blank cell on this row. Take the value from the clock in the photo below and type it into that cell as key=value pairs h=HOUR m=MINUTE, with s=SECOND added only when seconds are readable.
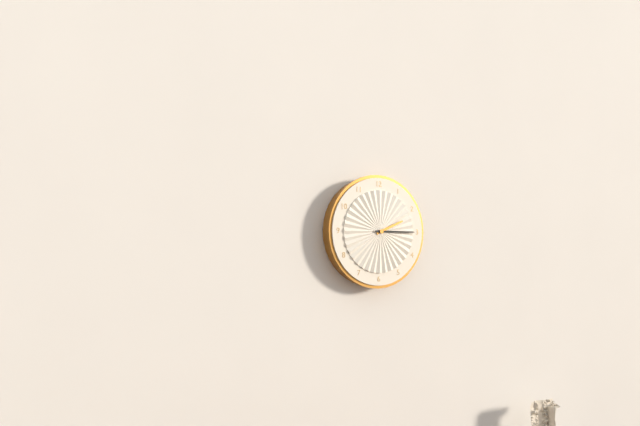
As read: h=2 m=15
